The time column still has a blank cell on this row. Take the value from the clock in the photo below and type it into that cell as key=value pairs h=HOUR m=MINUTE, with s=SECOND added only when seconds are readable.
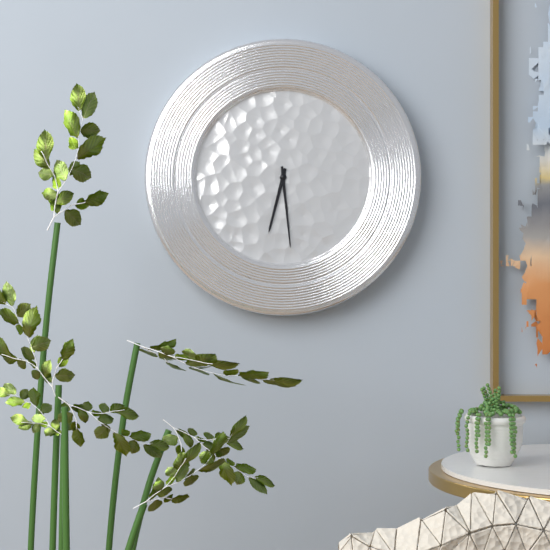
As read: h=6 m=29
